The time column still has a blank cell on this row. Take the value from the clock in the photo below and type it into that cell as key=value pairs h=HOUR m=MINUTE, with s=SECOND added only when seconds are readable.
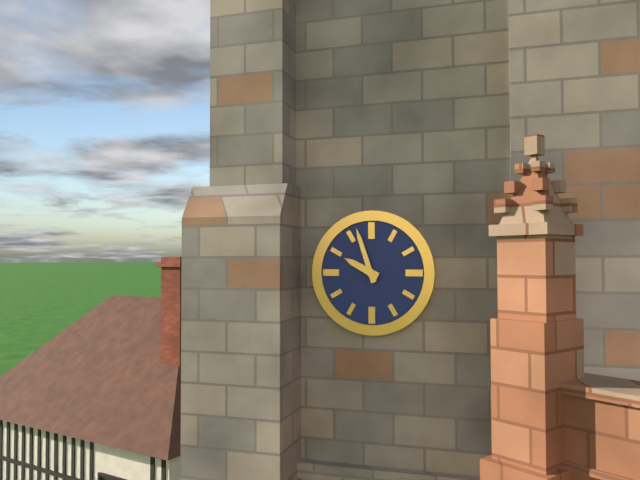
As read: h=9 m=57
